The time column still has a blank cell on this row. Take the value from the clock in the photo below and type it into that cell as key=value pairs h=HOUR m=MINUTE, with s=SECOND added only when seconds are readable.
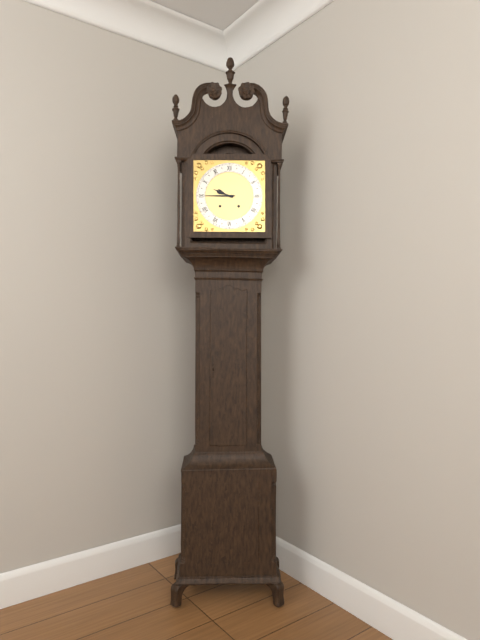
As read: h=9 m=45
